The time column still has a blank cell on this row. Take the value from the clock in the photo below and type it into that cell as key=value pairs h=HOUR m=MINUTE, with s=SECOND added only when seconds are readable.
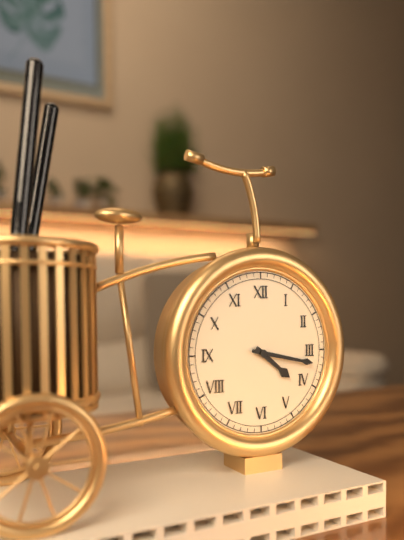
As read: h=4 m=17
